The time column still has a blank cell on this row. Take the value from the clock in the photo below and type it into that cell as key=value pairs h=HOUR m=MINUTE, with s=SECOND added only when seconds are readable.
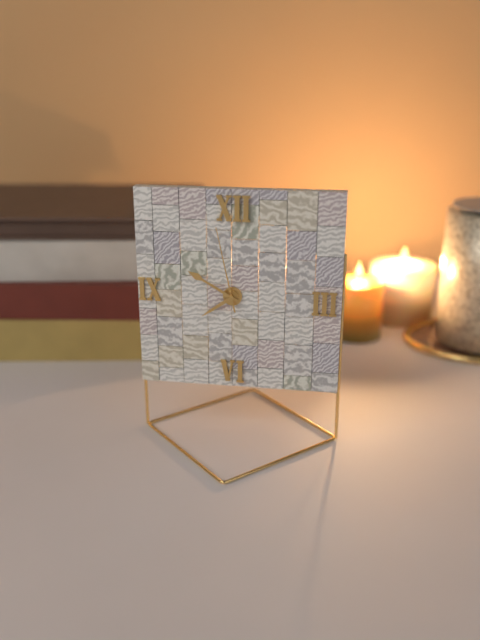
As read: h=7 m=50 s=58
